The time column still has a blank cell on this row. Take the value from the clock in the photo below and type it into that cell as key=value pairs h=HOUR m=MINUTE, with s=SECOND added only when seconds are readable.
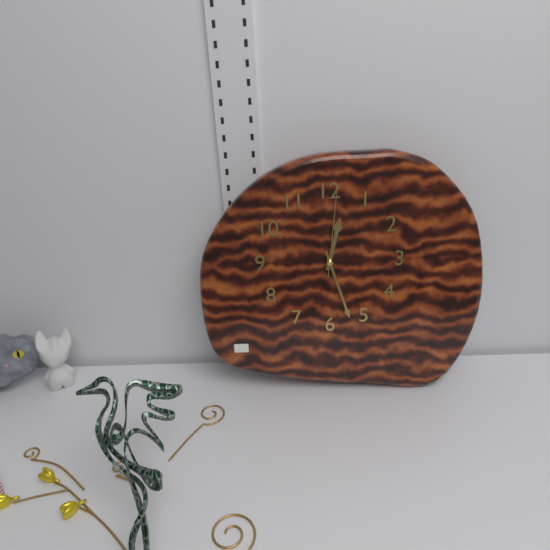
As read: h=12 m=27 s=1
